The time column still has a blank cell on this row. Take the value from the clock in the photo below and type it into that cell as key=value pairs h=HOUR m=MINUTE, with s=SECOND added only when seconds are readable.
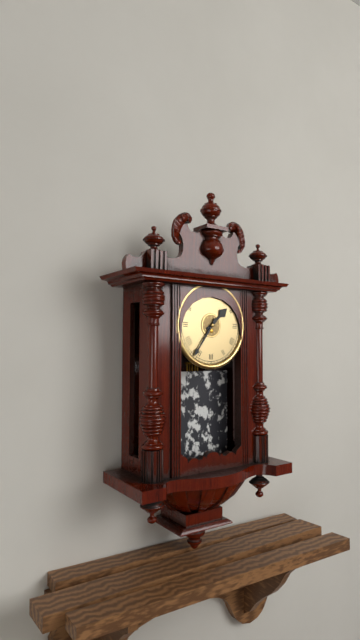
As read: h=1 m=36
